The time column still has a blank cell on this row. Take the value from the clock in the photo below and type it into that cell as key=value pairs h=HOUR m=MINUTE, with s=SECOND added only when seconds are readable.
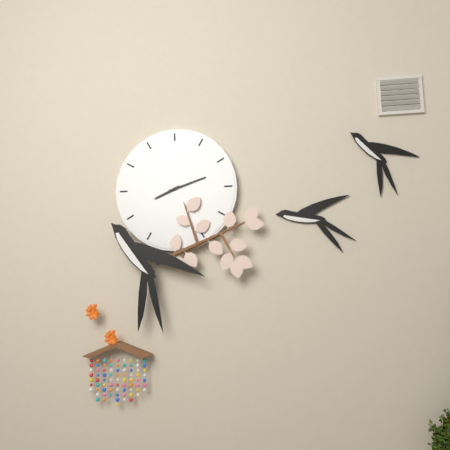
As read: h=8 m=12
